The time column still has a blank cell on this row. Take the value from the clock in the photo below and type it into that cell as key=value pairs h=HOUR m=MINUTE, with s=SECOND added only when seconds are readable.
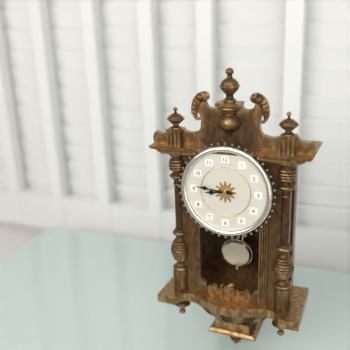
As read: h=8 m=46
